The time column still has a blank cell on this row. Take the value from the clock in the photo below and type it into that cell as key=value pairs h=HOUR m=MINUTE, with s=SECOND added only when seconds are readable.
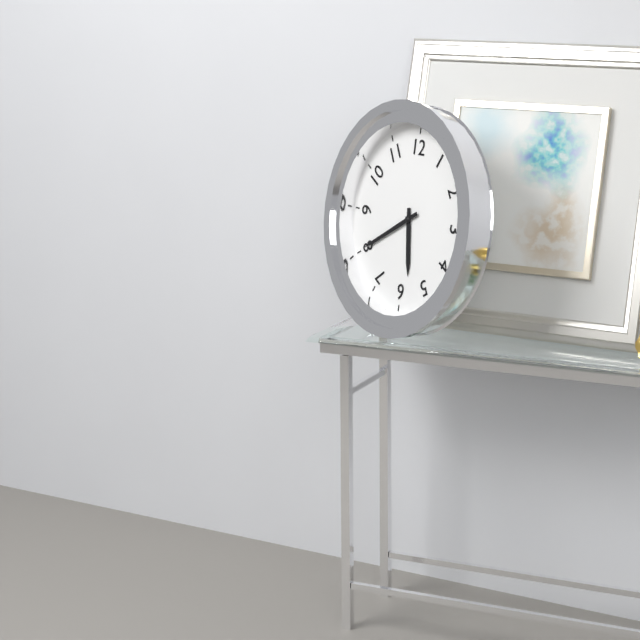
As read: h=5 m=40
